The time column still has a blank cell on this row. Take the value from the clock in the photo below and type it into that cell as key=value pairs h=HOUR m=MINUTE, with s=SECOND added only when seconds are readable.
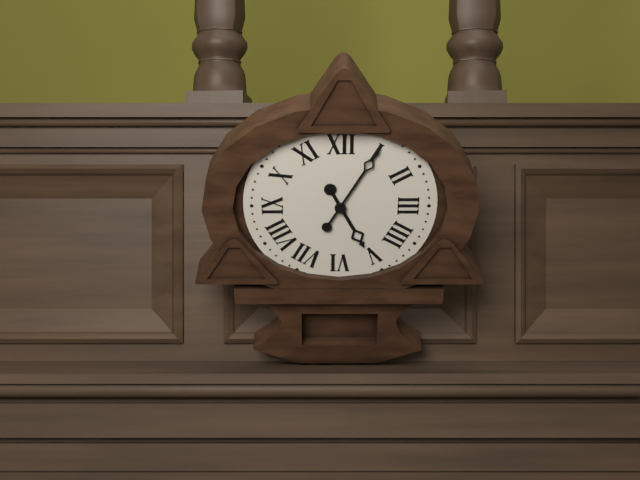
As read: h=5 m=5
